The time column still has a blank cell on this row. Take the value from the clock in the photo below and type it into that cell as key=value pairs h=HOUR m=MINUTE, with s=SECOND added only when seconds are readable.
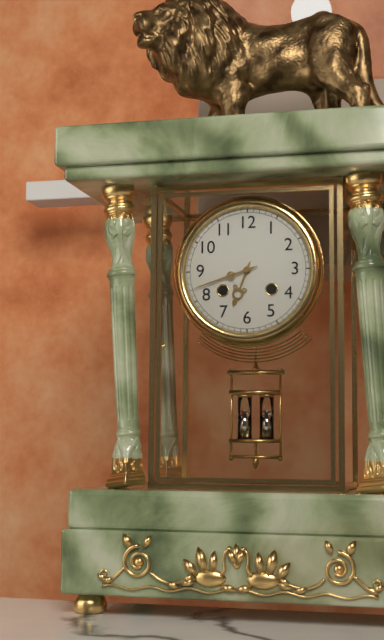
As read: h=6 m=42
